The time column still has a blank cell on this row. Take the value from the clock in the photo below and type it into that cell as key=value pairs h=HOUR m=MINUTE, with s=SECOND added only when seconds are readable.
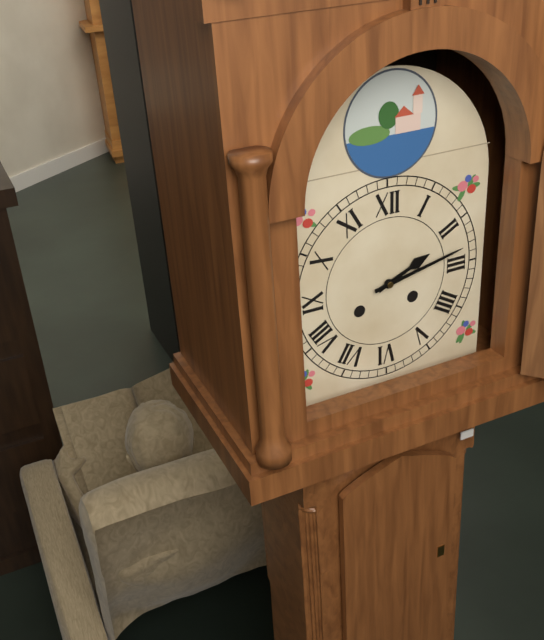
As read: h=2 m=13
